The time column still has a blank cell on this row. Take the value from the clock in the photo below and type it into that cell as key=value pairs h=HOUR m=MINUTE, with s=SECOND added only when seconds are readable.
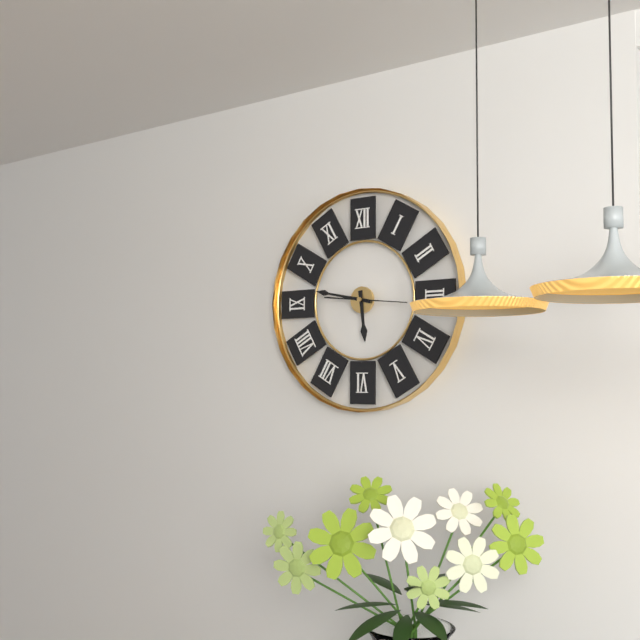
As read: h=5 m=47
